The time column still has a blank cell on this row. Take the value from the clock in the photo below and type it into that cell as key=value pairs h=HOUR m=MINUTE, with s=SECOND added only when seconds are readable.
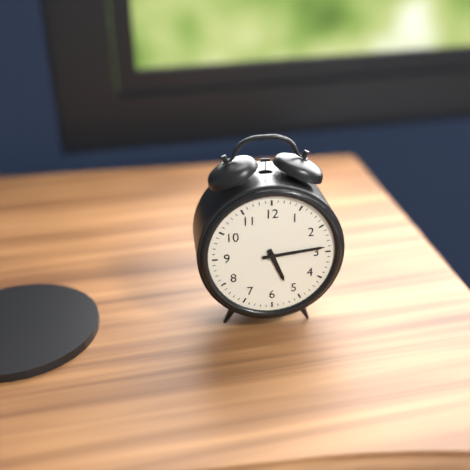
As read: h=5 m=14
